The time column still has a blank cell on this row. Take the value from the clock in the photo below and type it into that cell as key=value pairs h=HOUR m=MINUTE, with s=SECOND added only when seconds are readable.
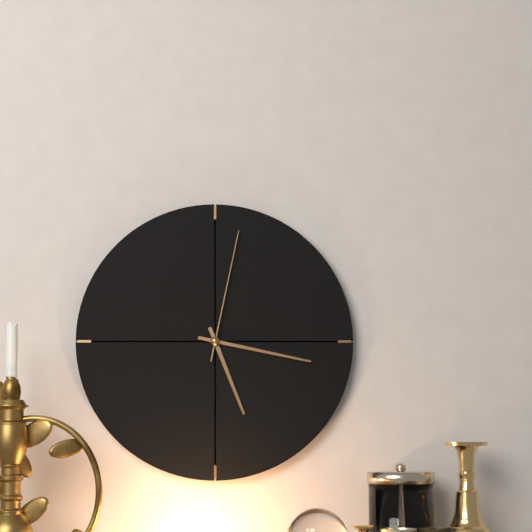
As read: h=5 m=17 s=2
